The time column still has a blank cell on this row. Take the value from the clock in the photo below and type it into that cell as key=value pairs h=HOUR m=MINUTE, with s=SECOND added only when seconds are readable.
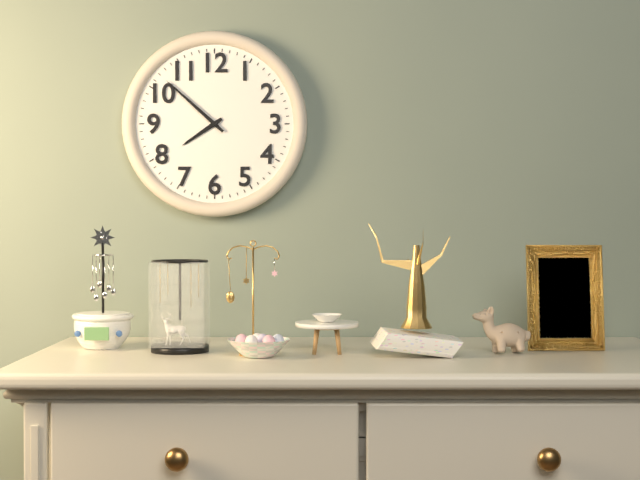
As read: h=7 m=52
